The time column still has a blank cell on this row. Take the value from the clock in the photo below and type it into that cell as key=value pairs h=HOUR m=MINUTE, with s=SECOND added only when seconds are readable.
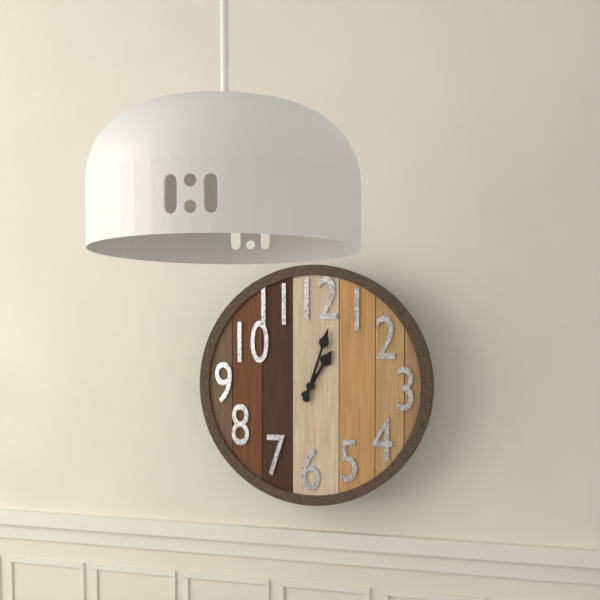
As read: h=1 m=3
